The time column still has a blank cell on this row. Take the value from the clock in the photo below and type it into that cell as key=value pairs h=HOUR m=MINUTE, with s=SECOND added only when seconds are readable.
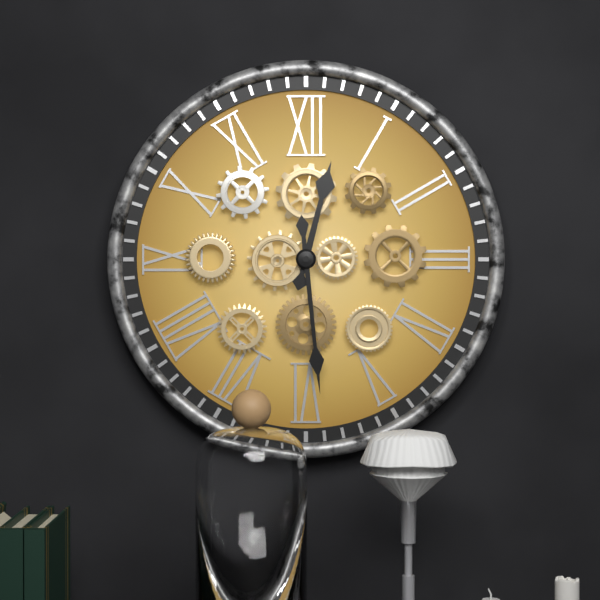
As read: h=12 m=29
